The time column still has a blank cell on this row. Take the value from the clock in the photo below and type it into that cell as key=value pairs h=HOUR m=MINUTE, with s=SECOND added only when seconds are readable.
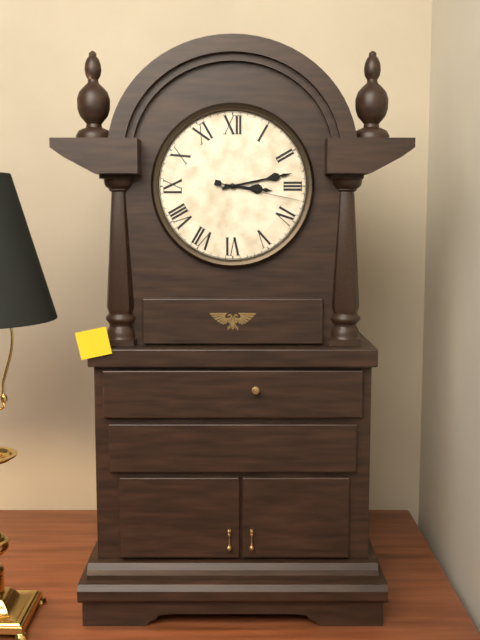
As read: h=3 m=13 s=17
